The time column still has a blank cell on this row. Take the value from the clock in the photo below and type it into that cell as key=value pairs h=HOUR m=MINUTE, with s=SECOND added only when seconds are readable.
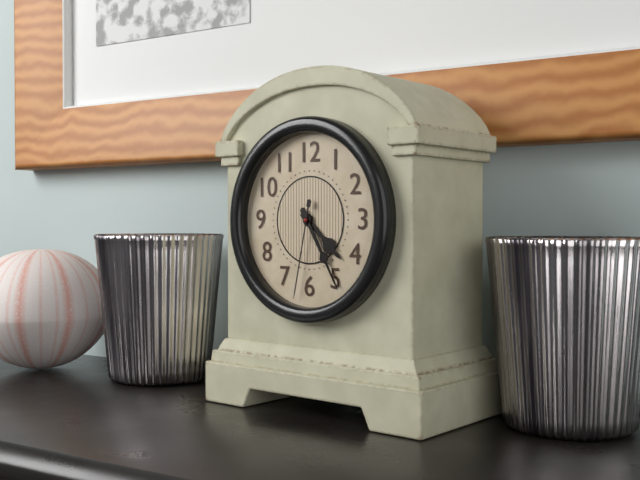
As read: h=4 m=25 s=32
